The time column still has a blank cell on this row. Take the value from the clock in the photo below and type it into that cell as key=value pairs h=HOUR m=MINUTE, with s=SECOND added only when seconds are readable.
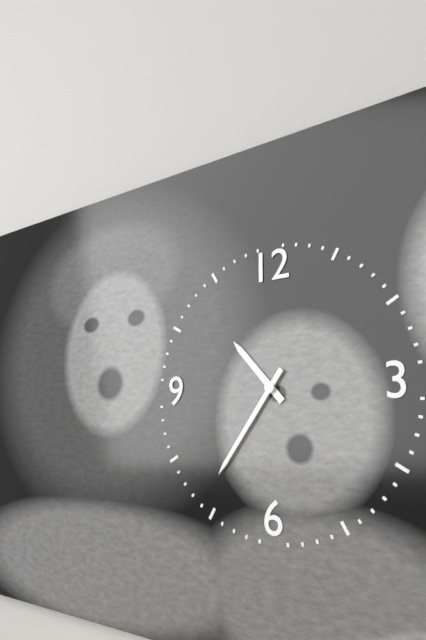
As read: h=10 m=36
